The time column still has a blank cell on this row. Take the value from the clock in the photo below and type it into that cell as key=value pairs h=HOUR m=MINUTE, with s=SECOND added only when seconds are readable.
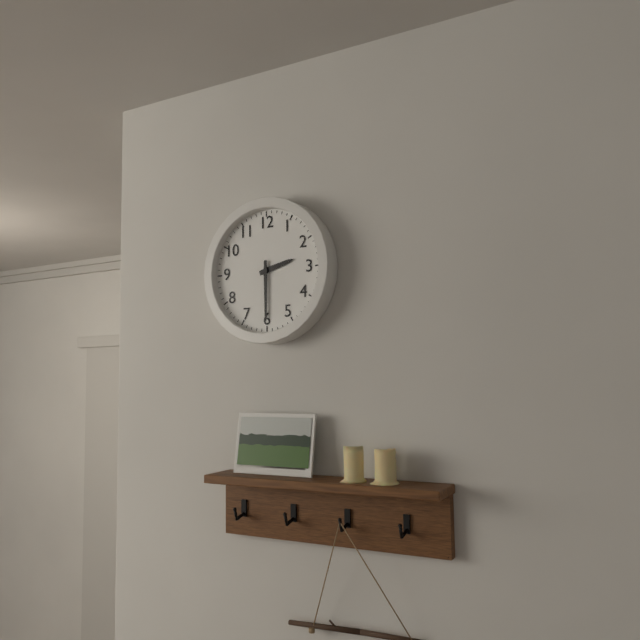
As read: h=2 m=30
